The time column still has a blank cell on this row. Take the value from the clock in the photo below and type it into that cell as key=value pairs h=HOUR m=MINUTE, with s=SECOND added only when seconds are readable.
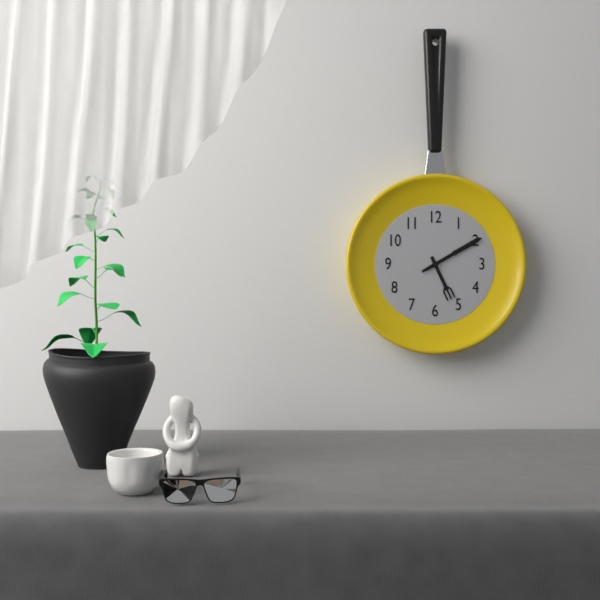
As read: h=5 m=10 s=10
